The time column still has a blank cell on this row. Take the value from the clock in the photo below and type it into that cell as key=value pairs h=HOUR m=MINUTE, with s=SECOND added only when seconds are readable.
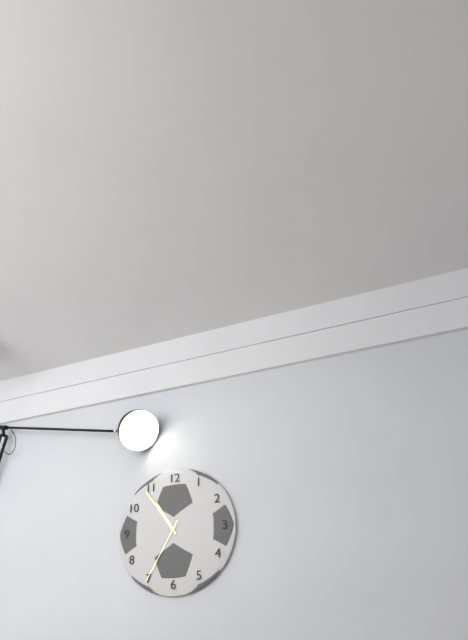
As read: h=10 m=54 s=35
